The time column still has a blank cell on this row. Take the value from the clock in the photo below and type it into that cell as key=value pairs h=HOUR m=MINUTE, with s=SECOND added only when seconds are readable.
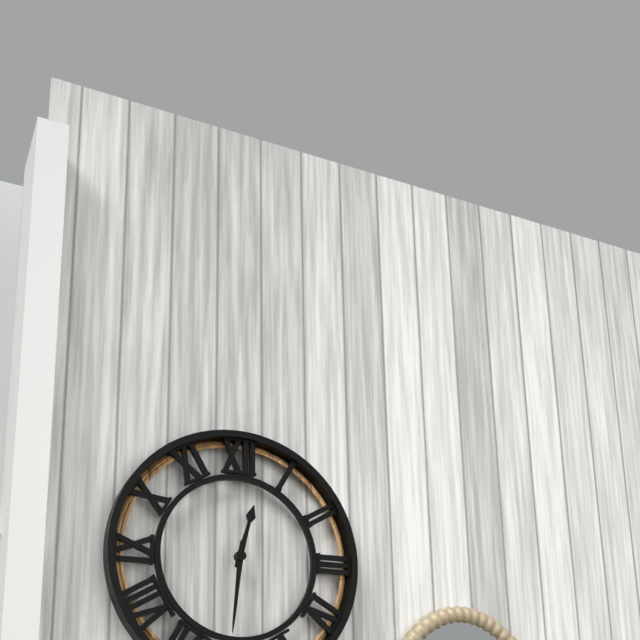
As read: h=12 m=31
